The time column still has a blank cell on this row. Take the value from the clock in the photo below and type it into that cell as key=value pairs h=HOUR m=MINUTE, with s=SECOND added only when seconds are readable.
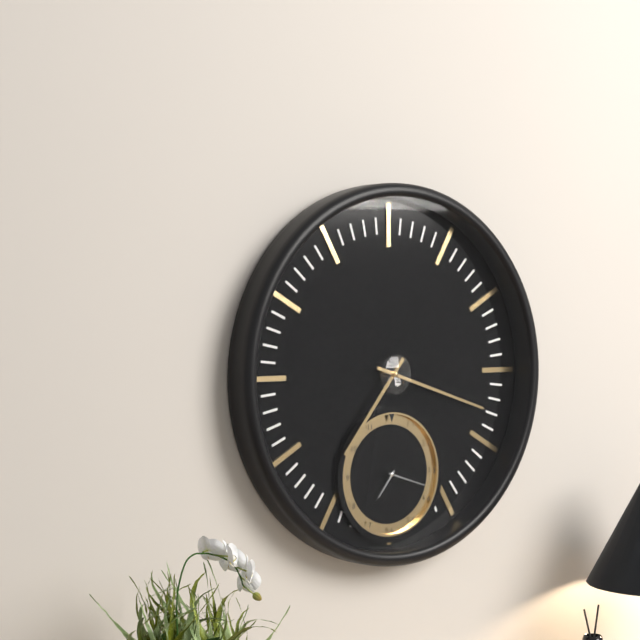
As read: h=7 m=18
